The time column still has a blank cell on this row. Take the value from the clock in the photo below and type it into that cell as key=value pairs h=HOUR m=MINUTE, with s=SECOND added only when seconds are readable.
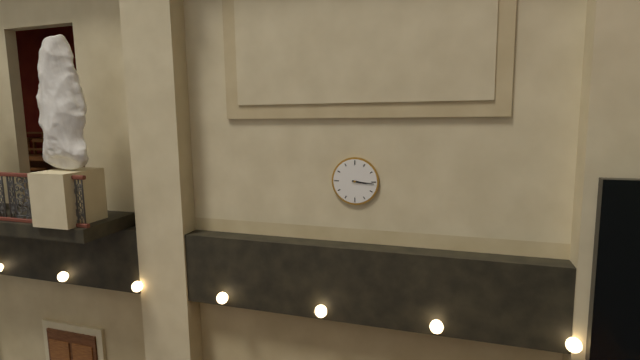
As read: h=3 m=16
